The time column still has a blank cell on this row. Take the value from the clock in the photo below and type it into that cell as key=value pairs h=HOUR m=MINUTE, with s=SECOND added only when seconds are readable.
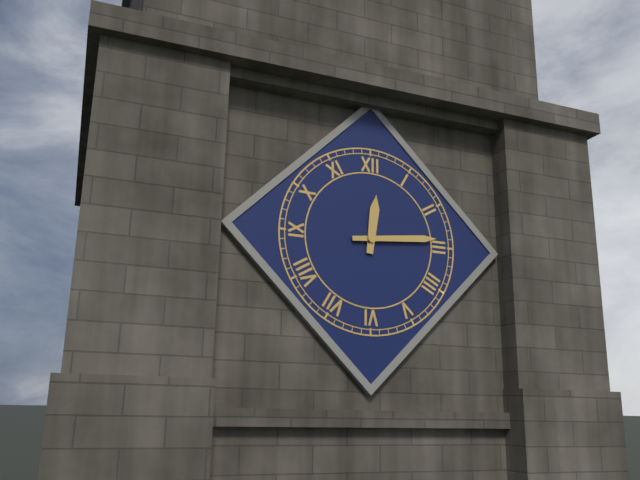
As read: h=12 m=14
